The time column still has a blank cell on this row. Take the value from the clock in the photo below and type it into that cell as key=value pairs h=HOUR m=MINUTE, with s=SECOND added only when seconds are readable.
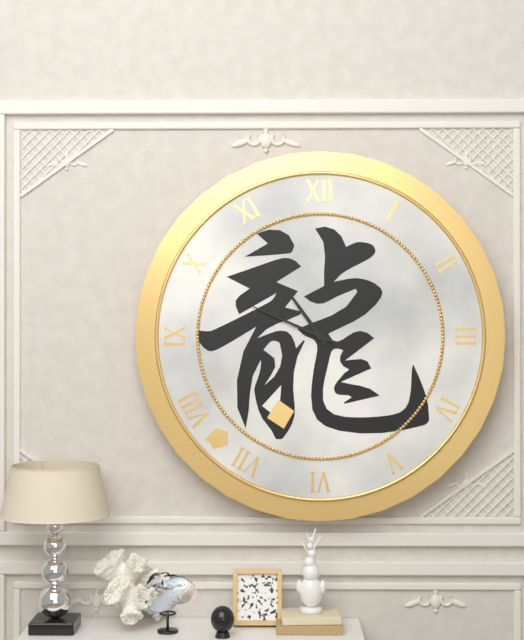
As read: h=10 m=49
